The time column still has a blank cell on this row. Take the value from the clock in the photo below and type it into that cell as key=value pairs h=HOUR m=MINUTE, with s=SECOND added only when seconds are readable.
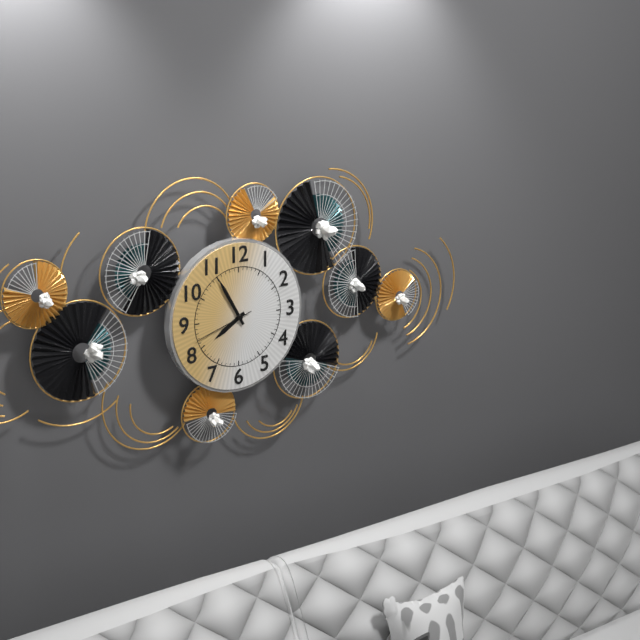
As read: h=7 m=55 s=42
